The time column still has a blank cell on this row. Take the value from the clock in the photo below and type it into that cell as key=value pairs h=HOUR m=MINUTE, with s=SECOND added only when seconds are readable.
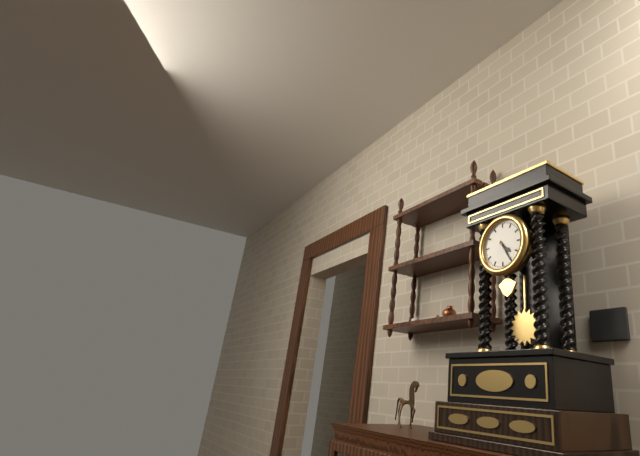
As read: h=4 m=25
